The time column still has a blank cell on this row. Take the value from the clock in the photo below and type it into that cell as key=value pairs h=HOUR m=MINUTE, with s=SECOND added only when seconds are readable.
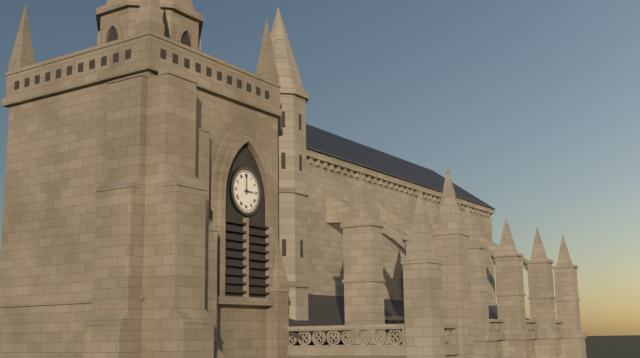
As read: h=3 m=0
